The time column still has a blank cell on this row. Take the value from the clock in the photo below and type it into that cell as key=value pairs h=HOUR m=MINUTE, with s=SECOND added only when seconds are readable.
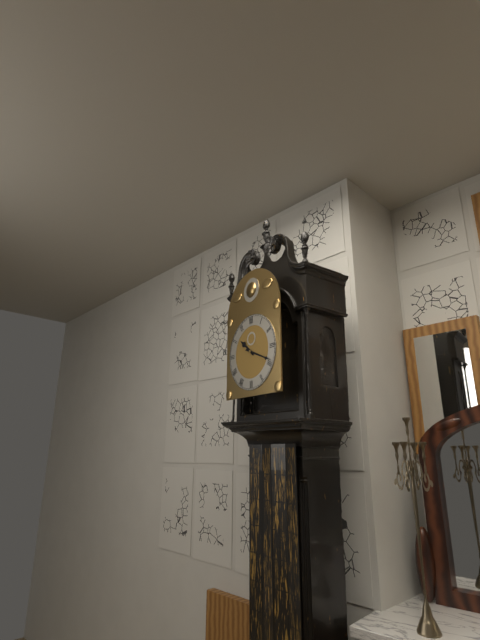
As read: h=10 m=19
